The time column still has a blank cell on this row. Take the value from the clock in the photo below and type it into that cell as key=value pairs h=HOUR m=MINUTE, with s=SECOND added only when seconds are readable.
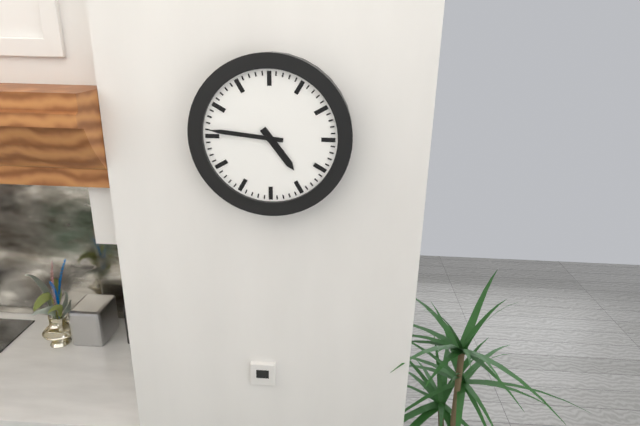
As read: h=4 m=46
